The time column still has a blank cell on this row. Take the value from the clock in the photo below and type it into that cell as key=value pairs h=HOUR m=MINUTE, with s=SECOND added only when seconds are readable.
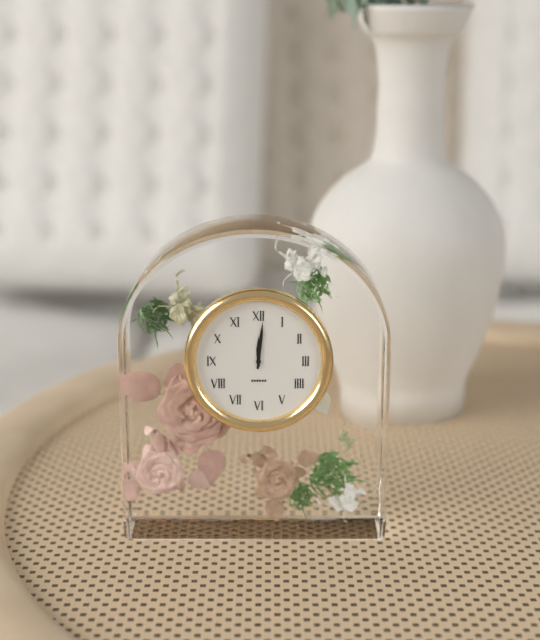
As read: h=12 m=1
